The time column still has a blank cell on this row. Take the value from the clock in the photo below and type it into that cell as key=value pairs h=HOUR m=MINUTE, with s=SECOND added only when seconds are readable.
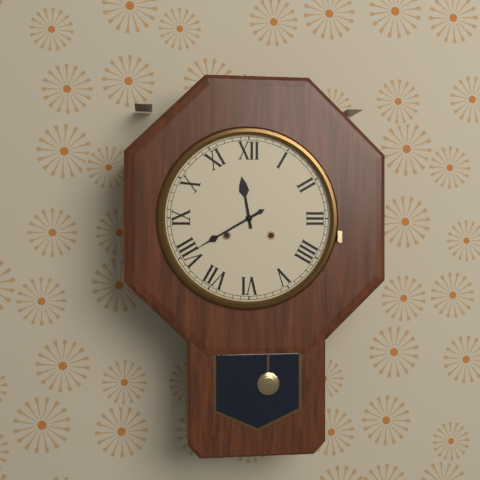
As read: h=11 m=40
